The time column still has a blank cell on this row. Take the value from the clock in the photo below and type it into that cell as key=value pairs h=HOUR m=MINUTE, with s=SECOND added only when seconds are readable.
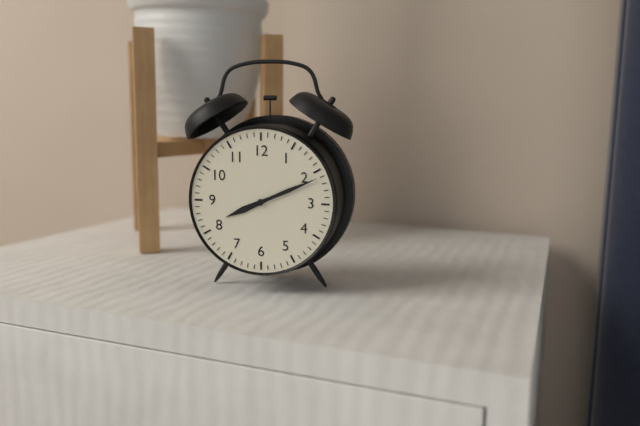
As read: h=8 m=11
